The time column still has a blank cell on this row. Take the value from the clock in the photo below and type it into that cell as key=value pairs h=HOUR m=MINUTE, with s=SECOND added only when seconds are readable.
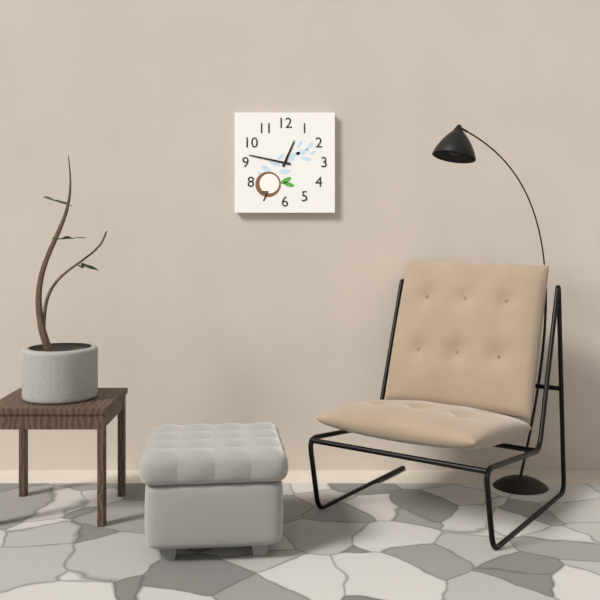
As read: h=12 m=47
